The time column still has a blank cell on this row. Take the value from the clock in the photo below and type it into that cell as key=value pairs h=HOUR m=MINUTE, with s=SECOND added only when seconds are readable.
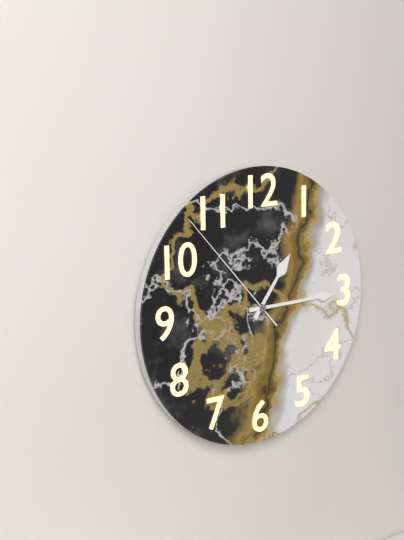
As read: h=1 m=15 s=53
